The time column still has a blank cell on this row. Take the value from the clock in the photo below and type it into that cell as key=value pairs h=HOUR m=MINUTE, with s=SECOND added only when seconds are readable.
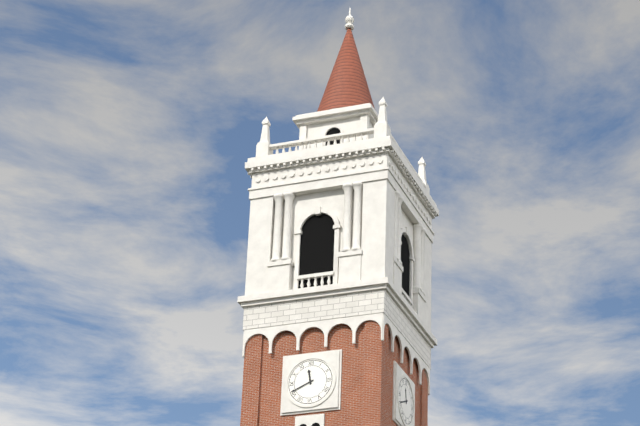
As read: h=11 m=41
